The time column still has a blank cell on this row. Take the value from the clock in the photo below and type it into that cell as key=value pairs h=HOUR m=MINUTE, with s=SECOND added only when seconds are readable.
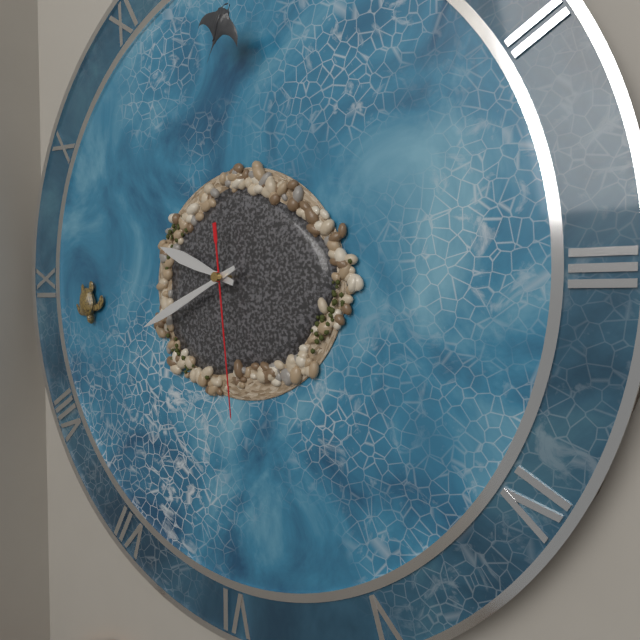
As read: h=9 m=41 s=29
